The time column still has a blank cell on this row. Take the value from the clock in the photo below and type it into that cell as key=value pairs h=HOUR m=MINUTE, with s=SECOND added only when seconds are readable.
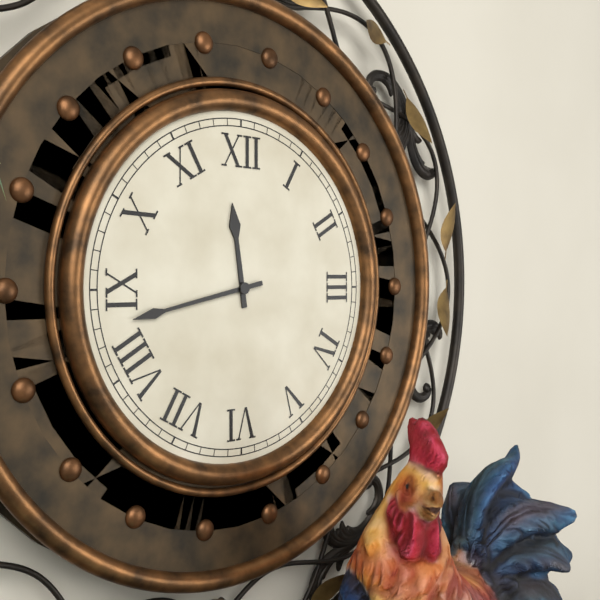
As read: h=11 m=43
